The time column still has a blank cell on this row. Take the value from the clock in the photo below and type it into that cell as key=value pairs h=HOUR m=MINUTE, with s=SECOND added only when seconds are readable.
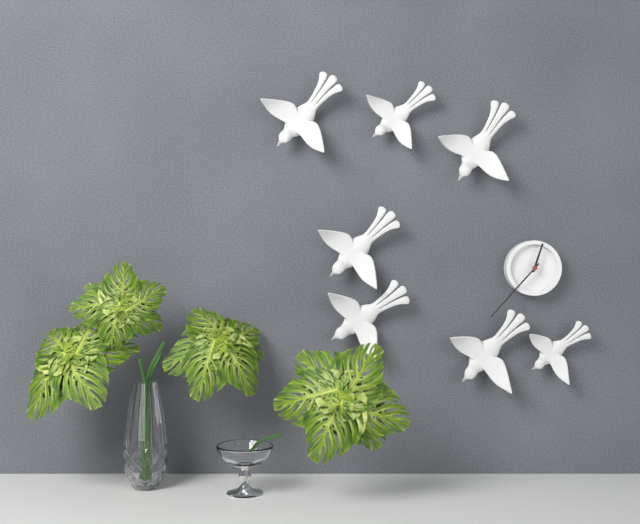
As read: h=12 m=37
